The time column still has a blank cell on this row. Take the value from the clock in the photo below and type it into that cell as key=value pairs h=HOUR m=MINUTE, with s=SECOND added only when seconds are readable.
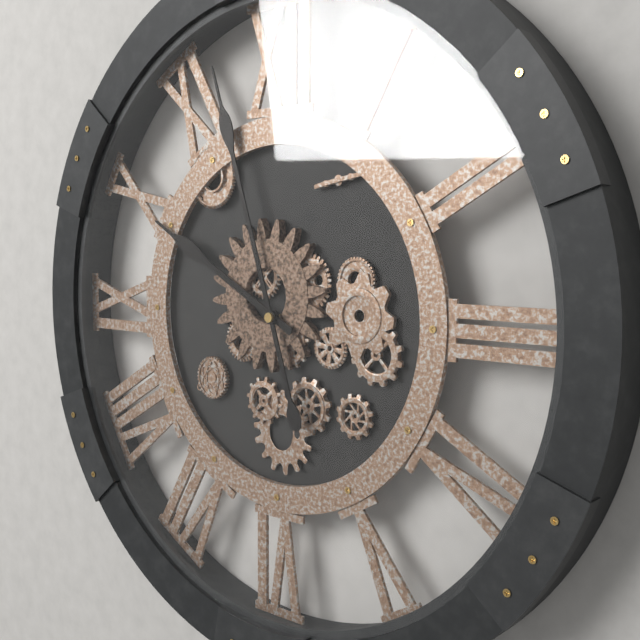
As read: h=9 m=57
